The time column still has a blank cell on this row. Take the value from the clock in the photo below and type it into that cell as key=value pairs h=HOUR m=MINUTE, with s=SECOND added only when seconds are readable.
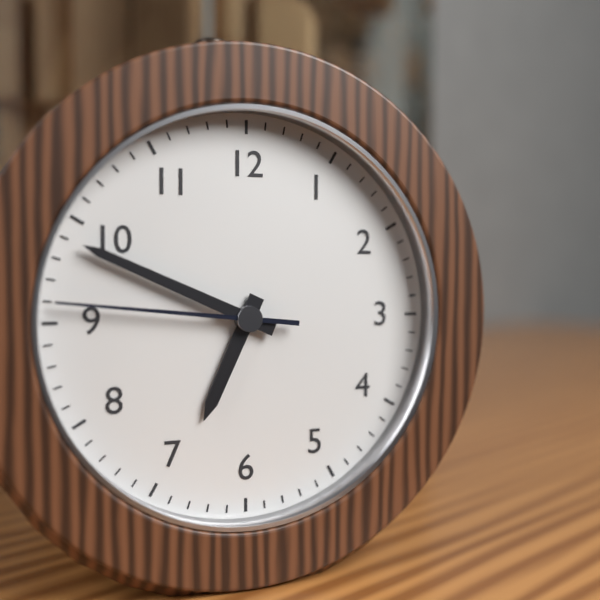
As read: h=6 m=49 s=46
